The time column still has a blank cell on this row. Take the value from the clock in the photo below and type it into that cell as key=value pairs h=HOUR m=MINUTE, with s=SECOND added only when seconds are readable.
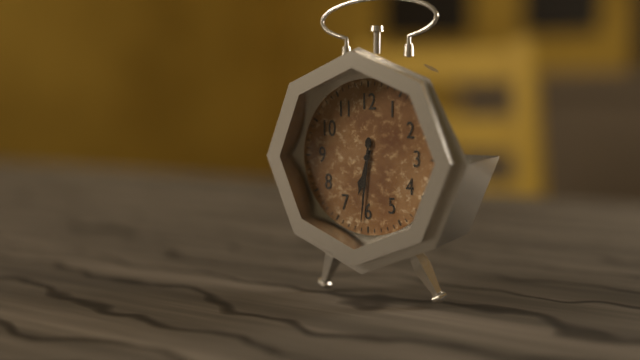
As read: h=6 m=31
